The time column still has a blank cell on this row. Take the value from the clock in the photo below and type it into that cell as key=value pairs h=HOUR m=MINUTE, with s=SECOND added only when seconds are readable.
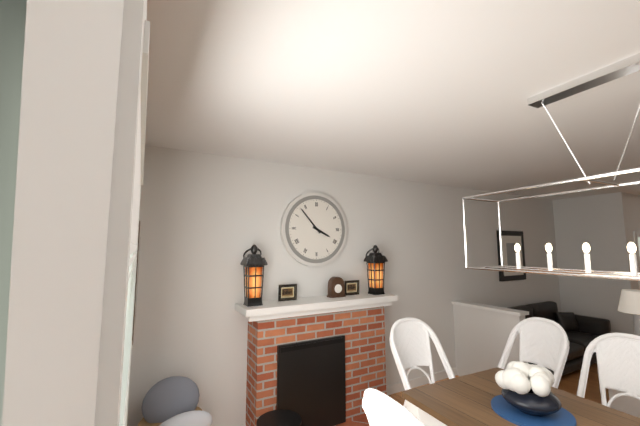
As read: h=3 m=53
